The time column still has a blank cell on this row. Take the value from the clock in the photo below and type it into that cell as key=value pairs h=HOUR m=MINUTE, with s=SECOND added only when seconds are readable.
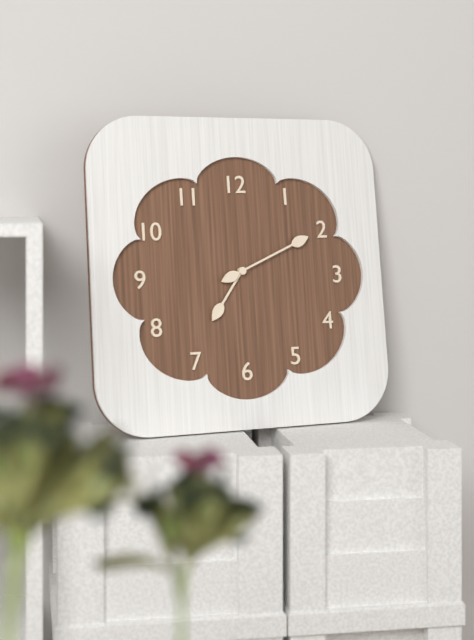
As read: h=7 m=11
